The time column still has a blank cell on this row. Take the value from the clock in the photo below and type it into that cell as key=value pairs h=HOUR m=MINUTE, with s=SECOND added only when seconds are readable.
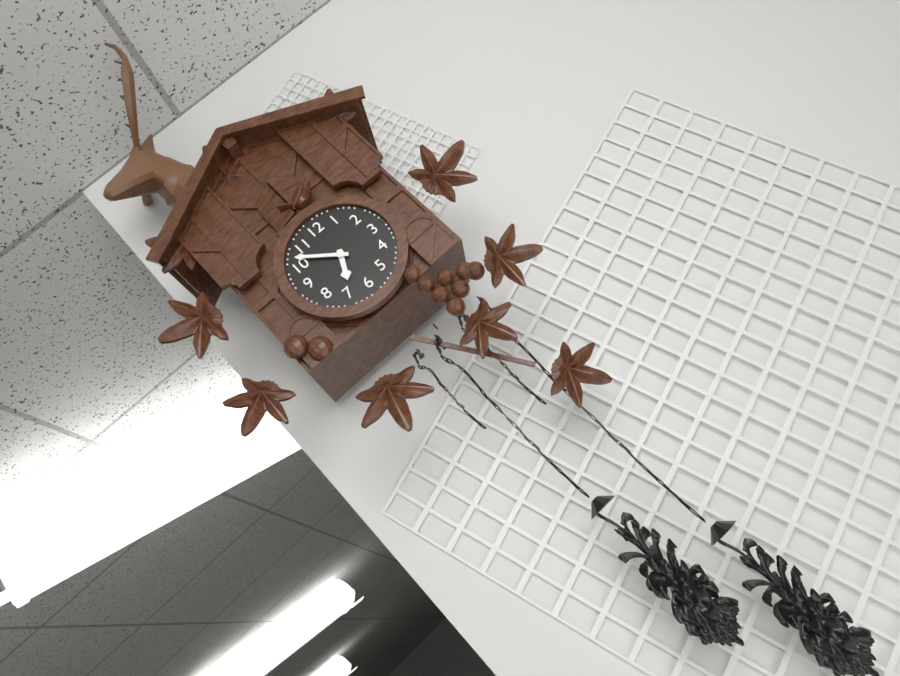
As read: h=6 m=52
